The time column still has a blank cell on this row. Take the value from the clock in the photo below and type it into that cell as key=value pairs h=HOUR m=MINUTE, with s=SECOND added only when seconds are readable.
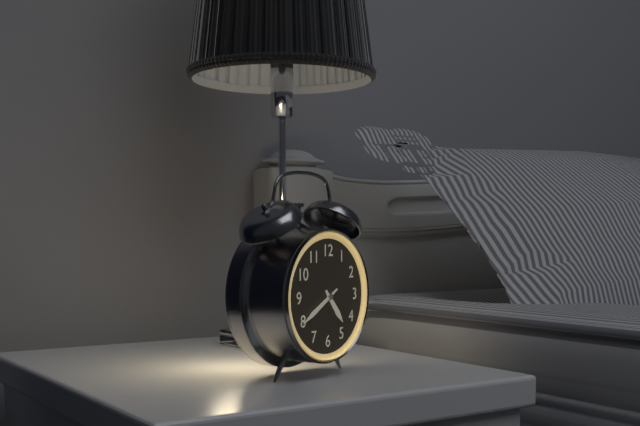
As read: h=4 m=40
